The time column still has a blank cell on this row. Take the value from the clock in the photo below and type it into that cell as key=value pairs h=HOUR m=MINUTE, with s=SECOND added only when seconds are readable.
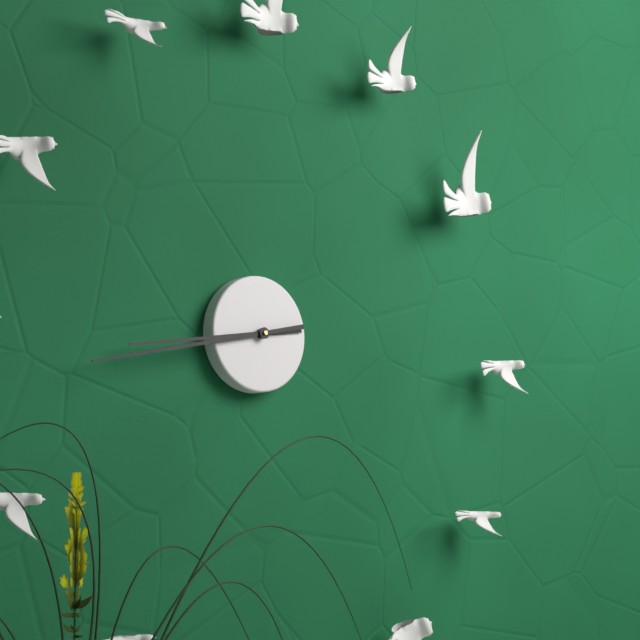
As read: h=8 m=43
